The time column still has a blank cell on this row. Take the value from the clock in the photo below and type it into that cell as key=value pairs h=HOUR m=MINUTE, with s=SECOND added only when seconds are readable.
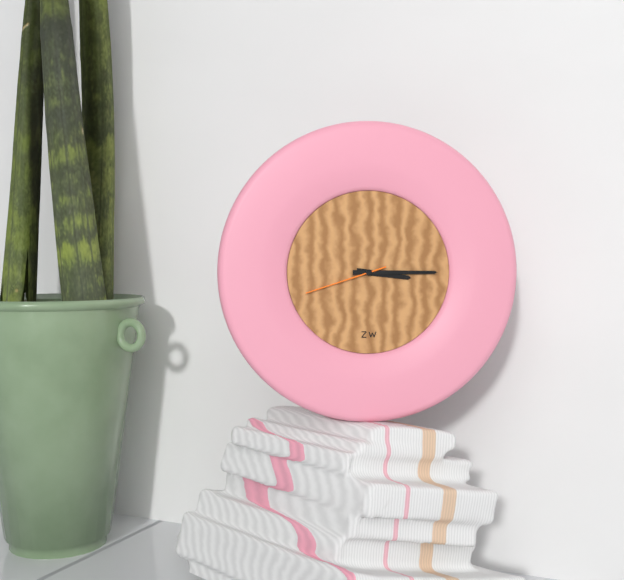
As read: h=3 m=15 s=42
